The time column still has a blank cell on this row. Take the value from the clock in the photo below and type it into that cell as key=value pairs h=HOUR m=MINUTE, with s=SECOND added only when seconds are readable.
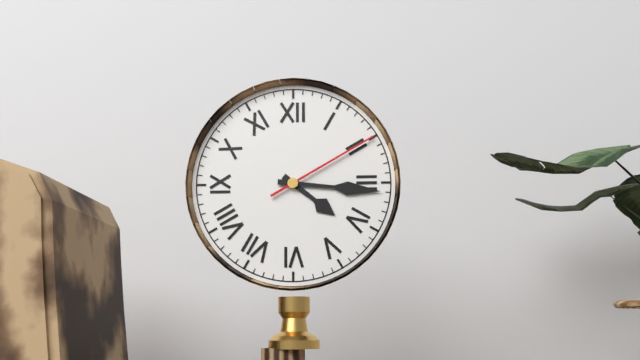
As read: h=4 m=16 s=10
